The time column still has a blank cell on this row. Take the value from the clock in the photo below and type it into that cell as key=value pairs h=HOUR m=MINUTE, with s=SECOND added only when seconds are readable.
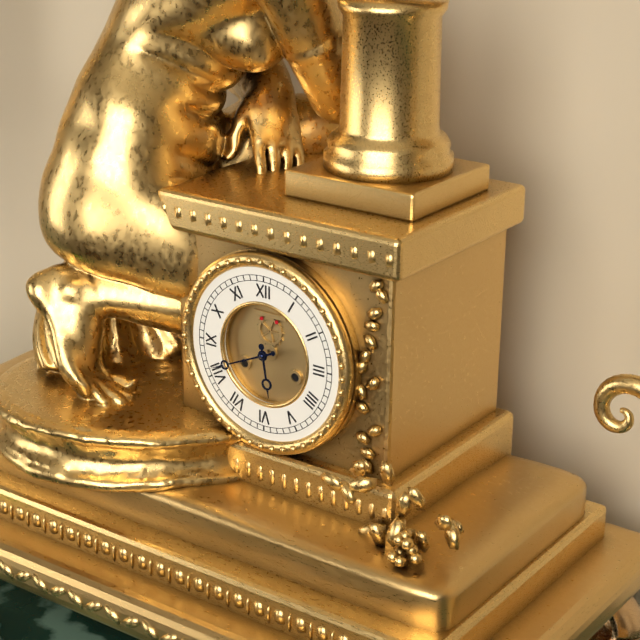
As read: h=5 m=41
